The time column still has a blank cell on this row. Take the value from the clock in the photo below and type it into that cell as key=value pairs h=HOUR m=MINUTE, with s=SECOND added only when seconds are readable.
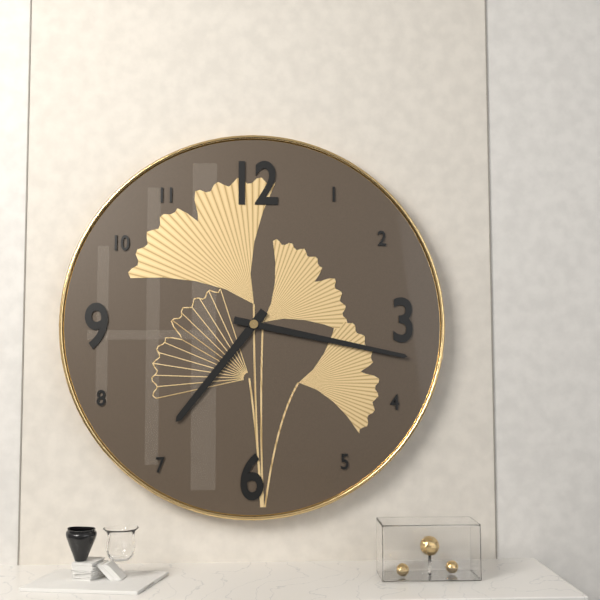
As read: h=7 m=17
